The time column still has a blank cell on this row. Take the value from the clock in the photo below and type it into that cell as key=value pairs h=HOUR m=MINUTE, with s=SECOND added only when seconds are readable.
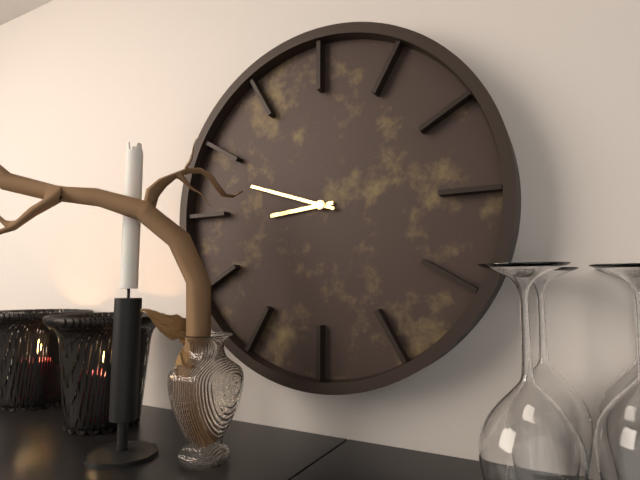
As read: h=8 m=48
